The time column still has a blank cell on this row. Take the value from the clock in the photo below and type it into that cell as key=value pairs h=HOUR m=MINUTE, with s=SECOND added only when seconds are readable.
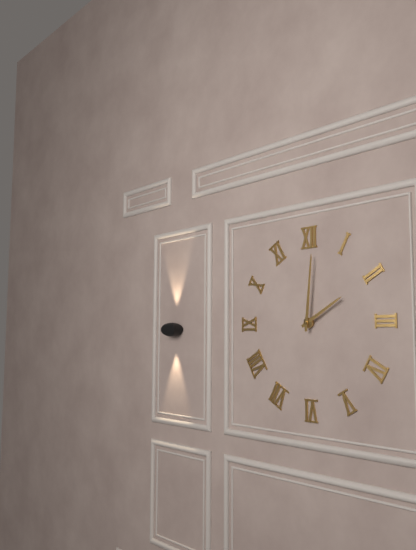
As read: h=2 m=1
